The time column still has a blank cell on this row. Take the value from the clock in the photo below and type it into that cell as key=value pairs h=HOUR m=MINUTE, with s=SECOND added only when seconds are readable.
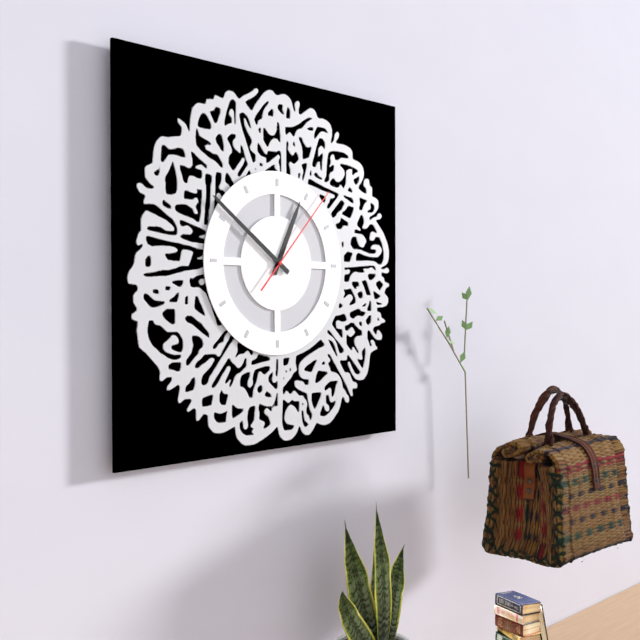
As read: h=12 m=51 s=7
